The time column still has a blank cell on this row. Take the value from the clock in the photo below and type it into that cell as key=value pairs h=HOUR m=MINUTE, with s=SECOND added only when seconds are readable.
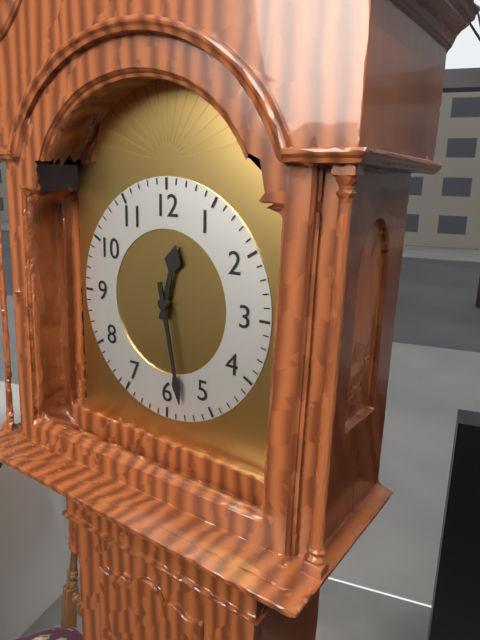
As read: h=12 m=28
